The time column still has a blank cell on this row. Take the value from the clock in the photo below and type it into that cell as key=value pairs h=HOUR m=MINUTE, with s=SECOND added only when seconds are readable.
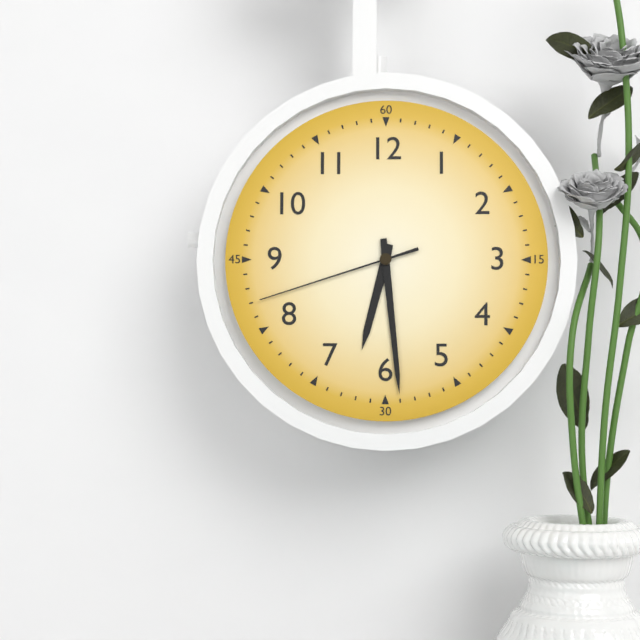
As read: h=6 m=29 s=42
